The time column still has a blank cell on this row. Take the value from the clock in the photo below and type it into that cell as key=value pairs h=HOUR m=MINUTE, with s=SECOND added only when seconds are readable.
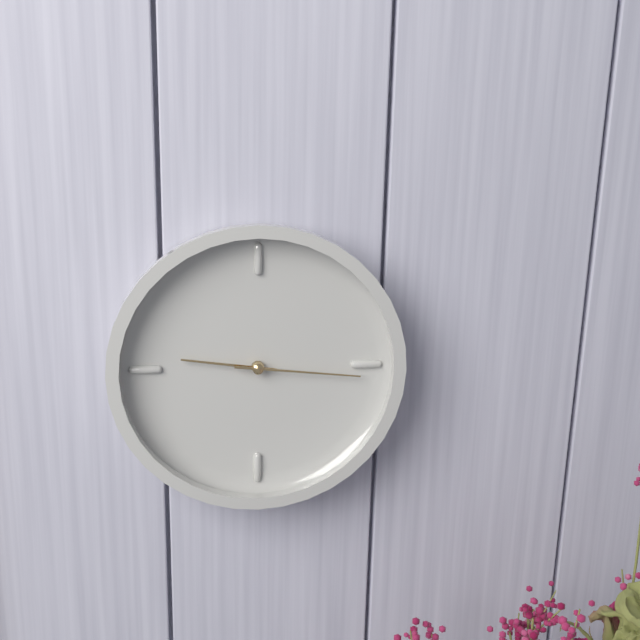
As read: h=9 m=16
